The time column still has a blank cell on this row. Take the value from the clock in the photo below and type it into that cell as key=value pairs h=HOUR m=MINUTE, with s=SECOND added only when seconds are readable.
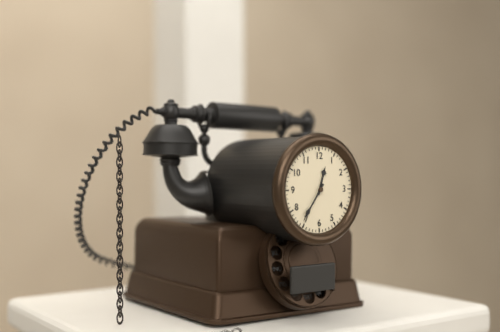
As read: h=12 m=36
